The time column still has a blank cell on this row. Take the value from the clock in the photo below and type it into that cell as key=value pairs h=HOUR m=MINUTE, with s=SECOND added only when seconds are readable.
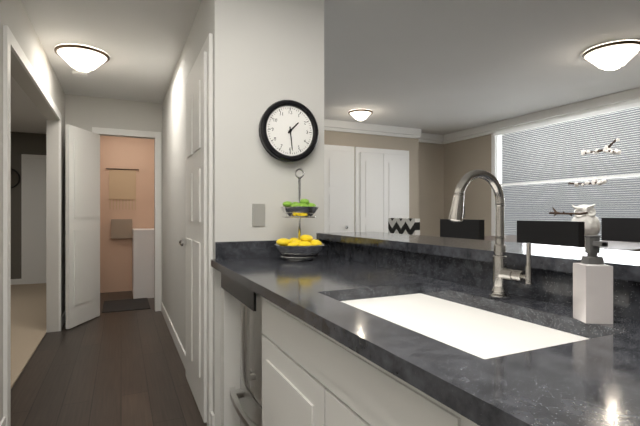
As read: h=1 m=29
